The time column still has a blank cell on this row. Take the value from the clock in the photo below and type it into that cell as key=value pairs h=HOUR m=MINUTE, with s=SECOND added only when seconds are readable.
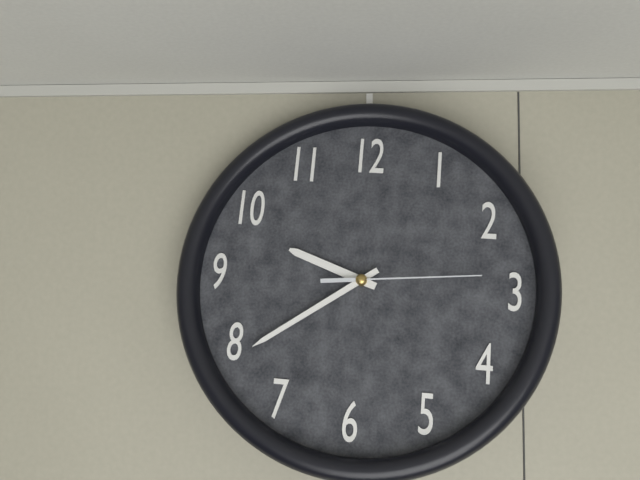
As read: h=9 m=39 s=14
